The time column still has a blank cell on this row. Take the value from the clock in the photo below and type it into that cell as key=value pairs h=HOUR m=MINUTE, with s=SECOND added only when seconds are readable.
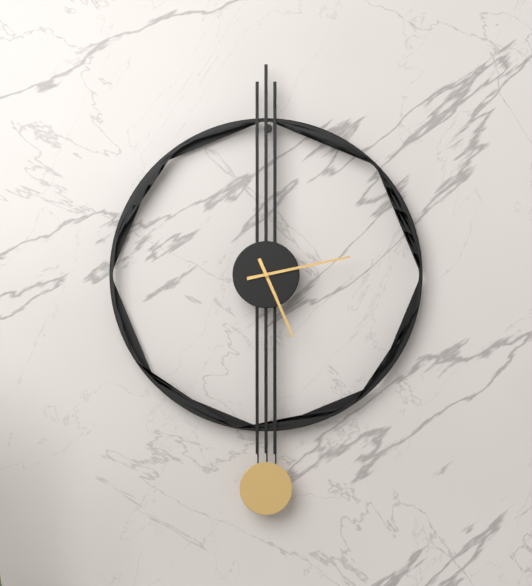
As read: h=5 m=13
